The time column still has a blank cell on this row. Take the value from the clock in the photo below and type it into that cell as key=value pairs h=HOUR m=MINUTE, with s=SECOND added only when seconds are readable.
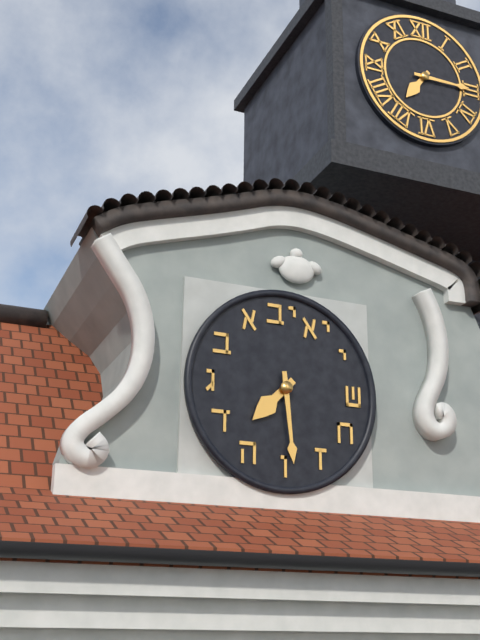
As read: h=7 m=29
